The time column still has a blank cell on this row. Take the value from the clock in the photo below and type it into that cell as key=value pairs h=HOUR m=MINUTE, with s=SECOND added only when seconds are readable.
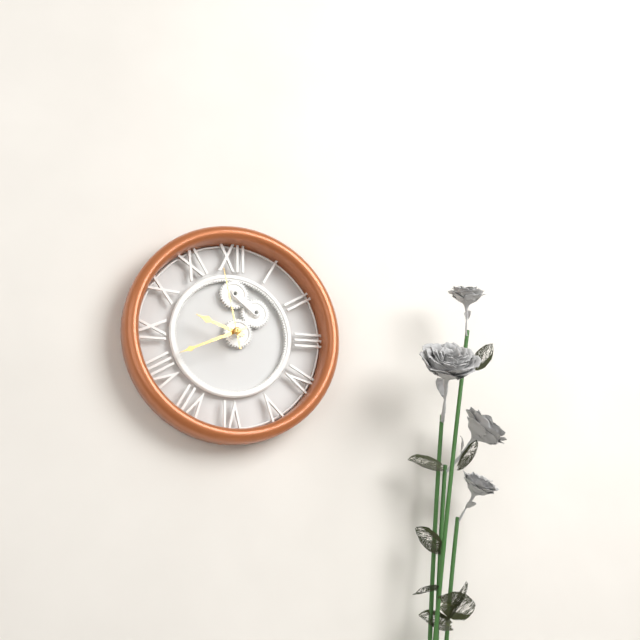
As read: h=9 m=41 s=58
